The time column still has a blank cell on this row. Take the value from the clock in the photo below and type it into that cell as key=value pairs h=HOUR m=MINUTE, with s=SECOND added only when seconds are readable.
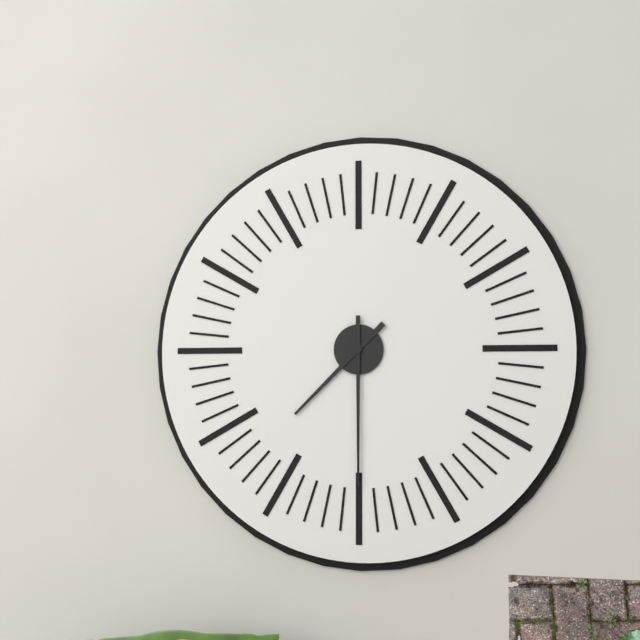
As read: h=7 m=30
